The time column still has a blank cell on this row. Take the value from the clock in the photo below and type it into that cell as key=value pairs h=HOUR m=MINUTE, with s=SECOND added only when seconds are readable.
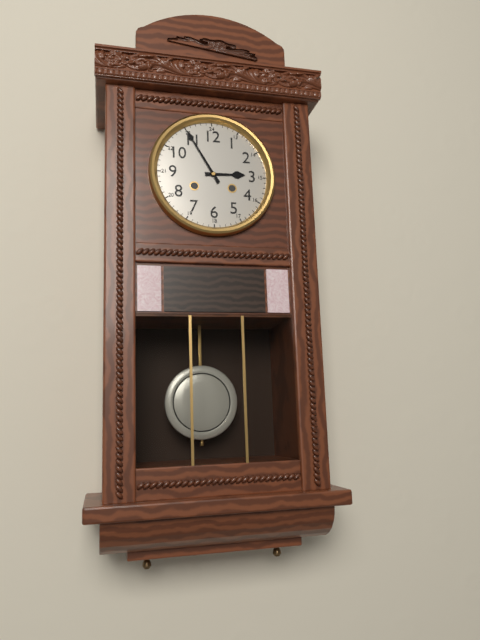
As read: h=2 m=55
